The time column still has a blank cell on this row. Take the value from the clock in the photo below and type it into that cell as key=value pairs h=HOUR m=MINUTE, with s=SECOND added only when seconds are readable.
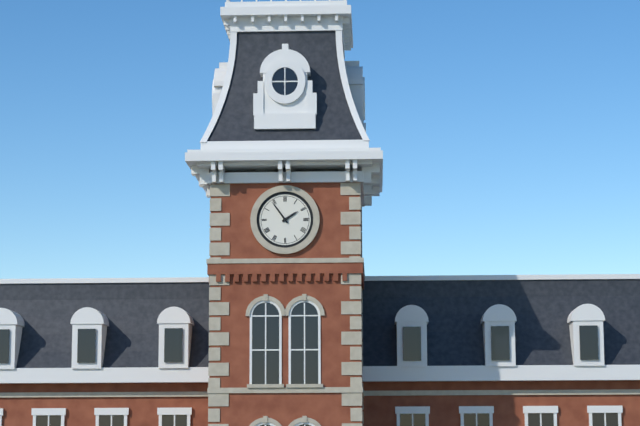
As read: h=1 m=54
